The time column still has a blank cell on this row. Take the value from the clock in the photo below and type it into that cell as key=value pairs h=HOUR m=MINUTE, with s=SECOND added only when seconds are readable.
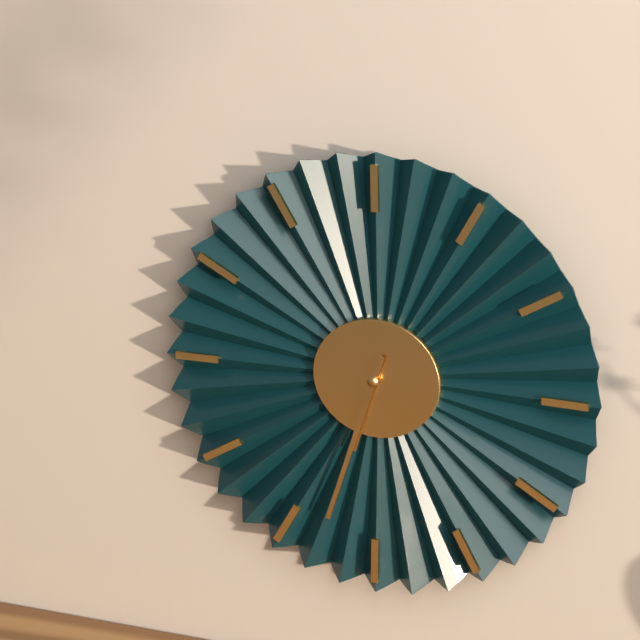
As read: h=6 m=33
